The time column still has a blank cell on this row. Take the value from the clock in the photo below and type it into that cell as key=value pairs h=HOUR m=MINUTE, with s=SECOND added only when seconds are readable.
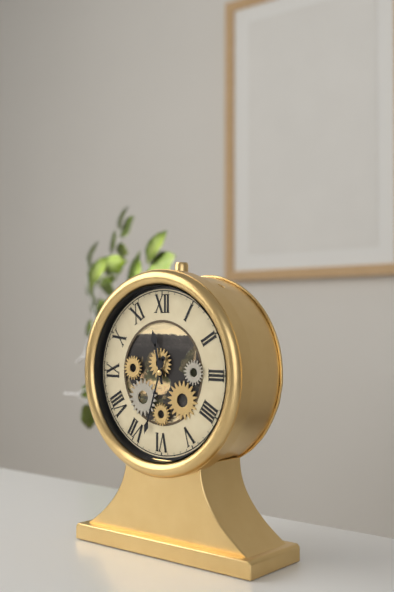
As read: h=11 m=33
